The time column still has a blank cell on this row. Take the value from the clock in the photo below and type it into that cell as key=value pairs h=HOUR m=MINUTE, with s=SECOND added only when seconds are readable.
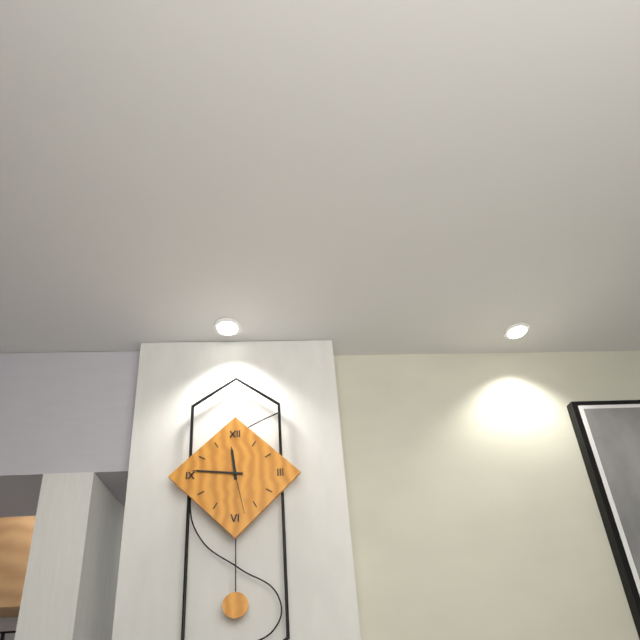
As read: h=11 m=46 s=28
